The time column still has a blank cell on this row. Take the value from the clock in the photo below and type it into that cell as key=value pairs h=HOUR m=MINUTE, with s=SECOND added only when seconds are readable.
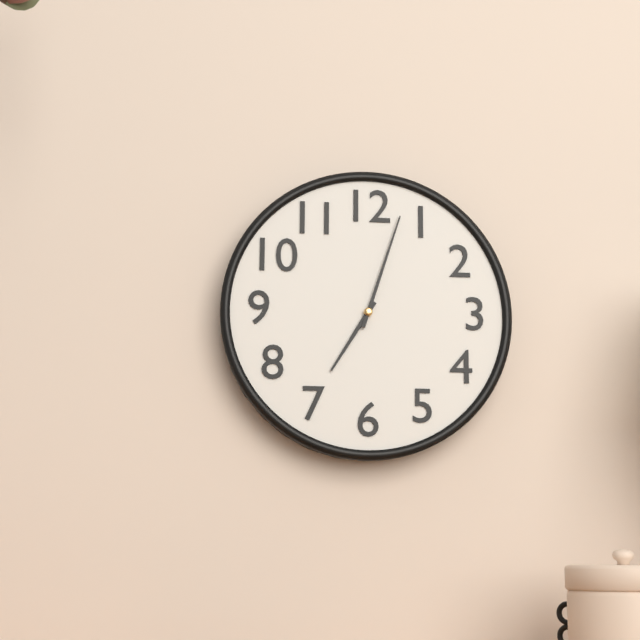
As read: h=7 m=3
